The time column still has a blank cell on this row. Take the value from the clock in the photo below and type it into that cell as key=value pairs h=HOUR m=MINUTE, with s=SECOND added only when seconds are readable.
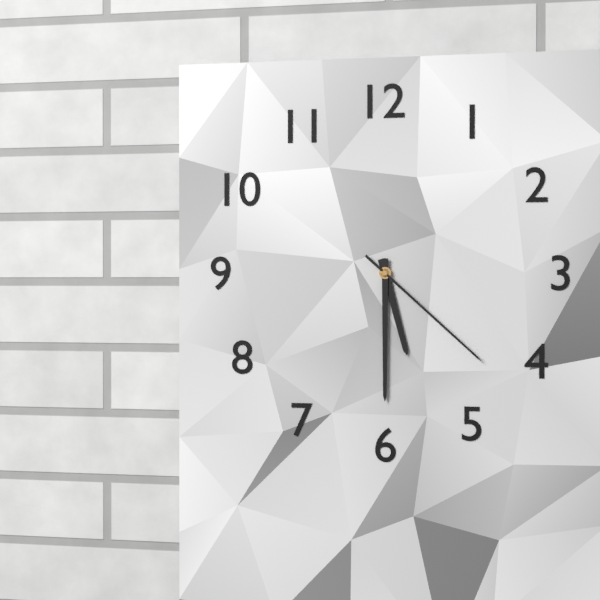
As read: h=5 m=30 s=22
